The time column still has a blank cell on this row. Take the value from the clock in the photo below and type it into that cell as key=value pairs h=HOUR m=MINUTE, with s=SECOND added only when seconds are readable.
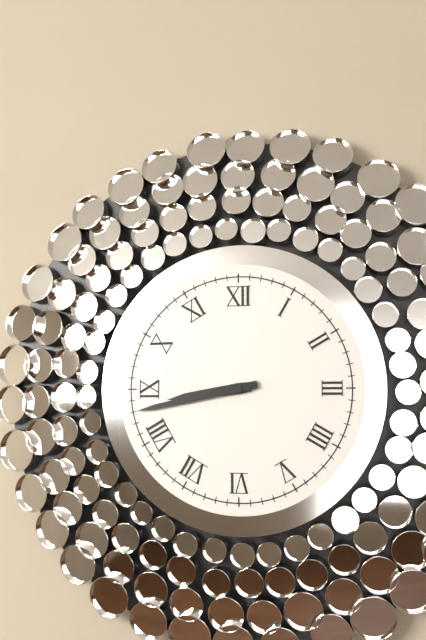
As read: h=8 m=43
